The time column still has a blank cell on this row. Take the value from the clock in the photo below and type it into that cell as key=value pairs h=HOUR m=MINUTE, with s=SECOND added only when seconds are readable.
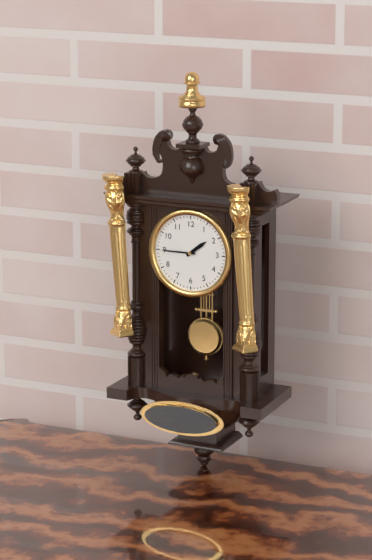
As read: h=1 m=45
